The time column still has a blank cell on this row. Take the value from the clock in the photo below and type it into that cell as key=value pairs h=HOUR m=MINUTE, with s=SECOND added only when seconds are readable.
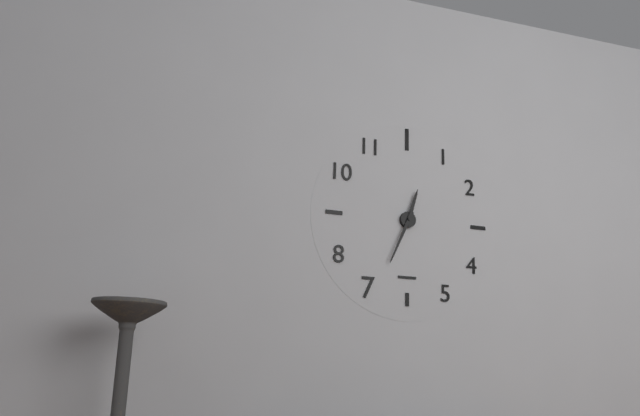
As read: h=12 m=34
